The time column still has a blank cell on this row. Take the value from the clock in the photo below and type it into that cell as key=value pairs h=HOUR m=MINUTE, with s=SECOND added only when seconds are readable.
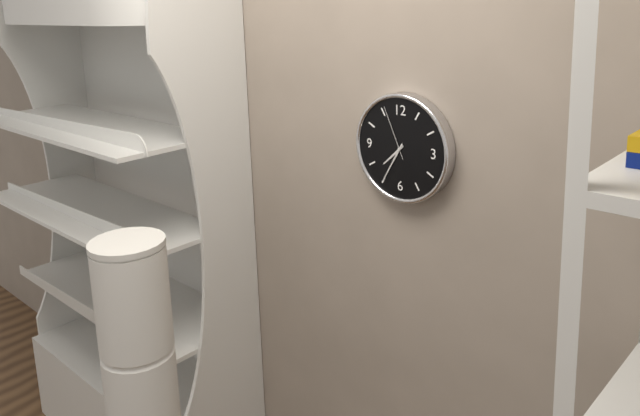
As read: h=7 m=35 s=56
